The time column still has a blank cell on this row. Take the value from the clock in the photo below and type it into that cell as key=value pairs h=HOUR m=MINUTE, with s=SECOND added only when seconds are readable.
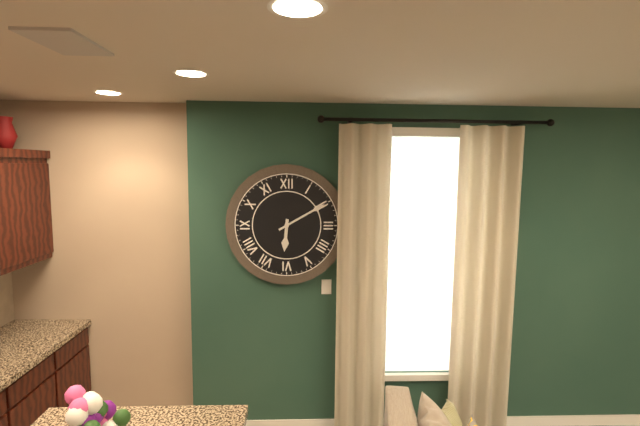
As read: h=6 m=10
